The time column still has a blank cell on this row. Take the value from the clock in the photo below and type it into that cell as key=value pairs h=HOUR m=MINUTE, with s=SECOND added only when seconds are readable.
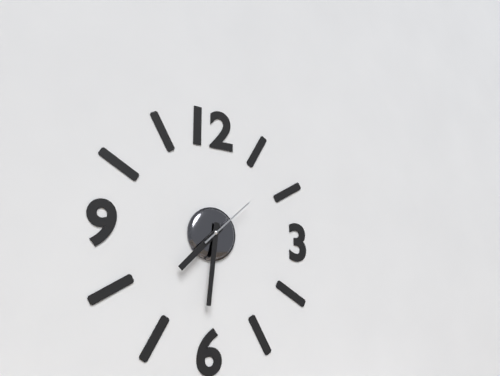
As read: h=7 m=31 s=8
